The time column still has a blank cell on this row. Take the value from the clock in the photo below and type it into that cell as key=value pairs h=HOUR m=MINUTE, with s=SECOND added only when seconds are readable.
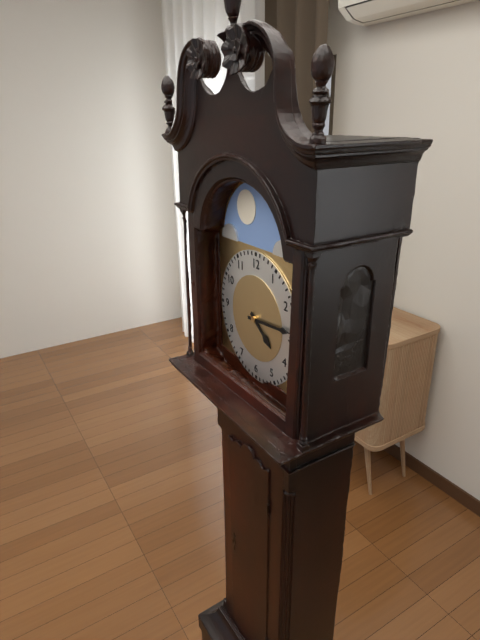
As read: h=4 m=14
